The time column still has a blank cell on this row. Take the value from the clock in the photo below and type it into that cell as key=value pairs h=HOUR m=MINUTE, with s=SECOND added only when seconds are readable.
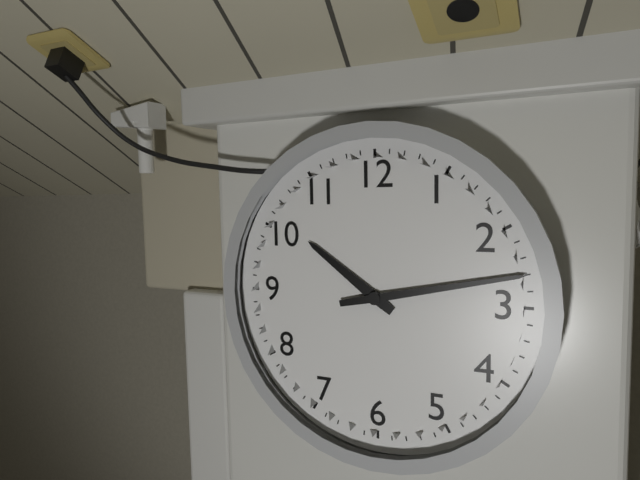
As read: h=10 m=13
